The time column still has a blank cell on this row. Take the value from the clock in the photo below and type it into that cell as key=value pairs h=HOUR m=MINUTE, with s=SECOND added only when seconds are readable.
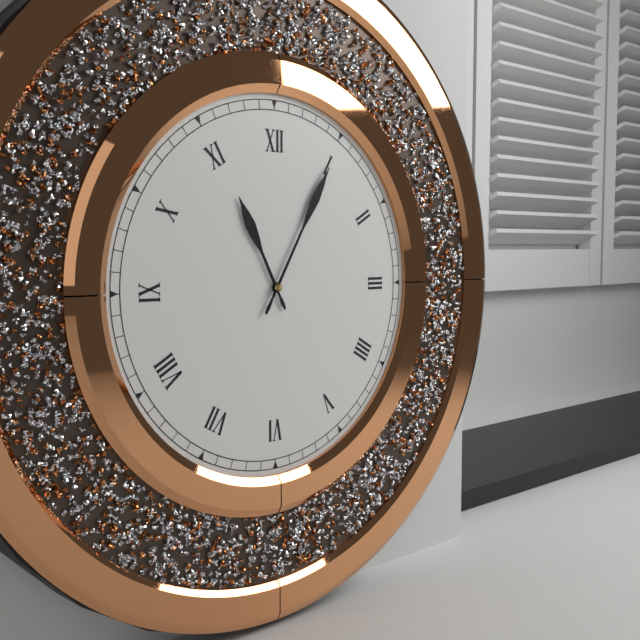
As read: h=11 m=5
